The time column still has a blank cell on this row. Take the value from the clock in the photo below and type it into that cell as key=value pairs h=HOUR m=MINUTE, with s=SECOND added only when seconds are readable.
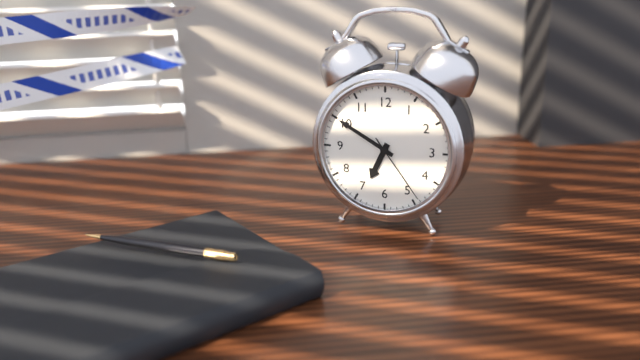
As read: h=6 m=50 s=24
